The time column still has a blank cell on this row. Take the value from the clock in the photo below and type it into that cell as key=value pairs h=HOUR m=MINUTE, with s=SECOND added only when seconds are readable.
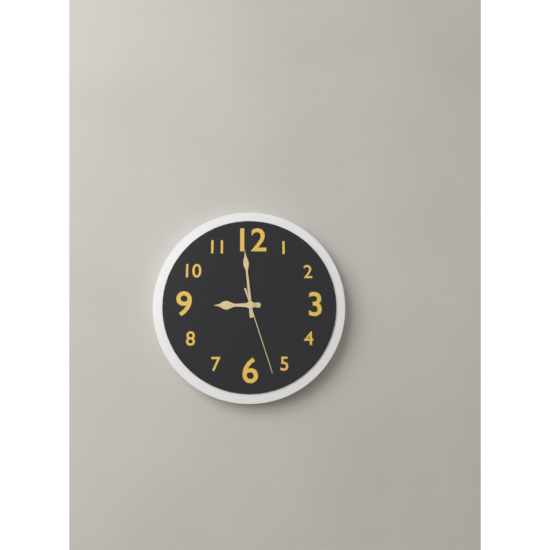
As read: h=8 m=59 s=27
